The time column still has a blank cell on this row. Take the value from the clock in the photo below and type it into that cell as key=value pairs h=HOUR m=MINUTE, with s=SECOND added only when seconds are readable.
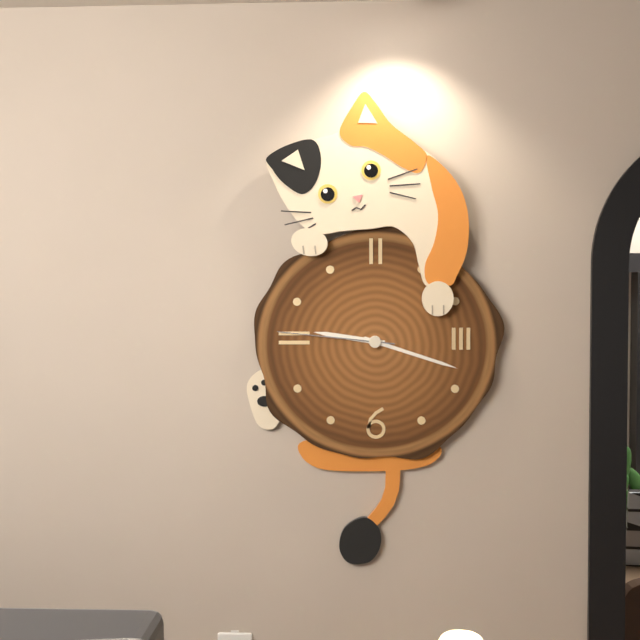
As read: h=9 m=18 s=46
